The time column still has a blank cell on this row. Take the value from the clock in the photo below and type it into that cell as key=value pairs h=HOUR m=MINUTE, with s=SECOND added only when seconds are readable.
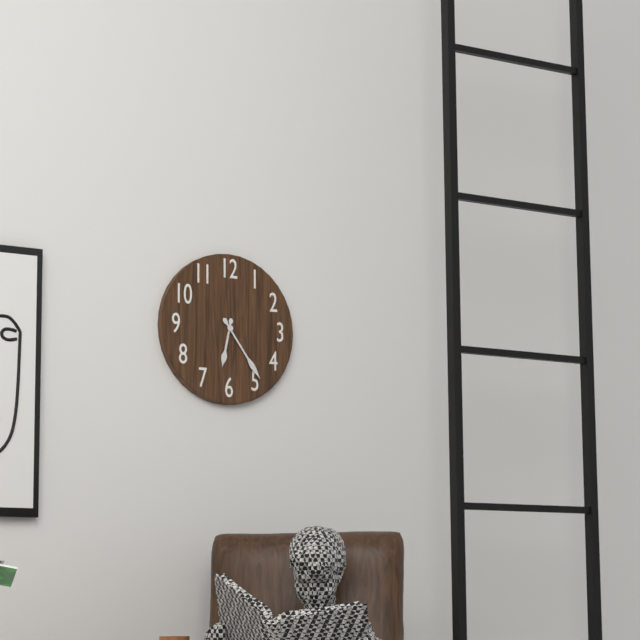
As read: h=6 m=24
